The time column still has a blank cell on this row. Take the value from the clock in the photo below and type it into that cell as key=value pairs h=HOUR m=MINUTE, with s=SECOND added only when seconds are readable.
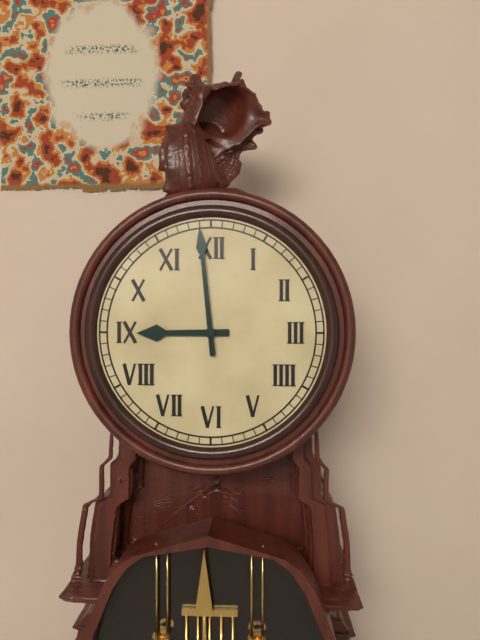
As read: h=8 m=59
